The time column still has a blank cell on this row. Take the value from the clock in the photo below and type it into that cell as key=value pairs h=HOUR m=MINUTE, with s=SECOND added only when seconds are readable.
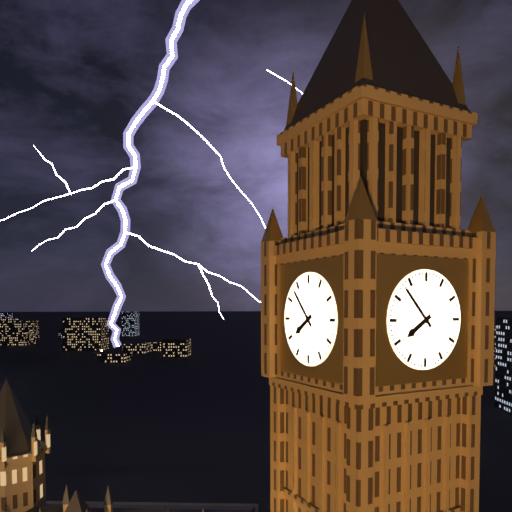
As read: h=7 m=53
